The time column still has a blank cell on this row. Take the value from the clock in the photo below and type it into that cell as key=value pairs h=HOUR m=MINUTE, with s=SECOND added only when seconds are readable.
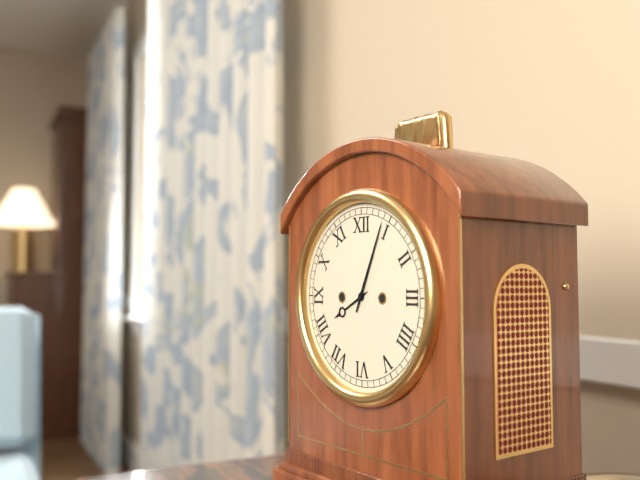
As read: h=8 m=4
